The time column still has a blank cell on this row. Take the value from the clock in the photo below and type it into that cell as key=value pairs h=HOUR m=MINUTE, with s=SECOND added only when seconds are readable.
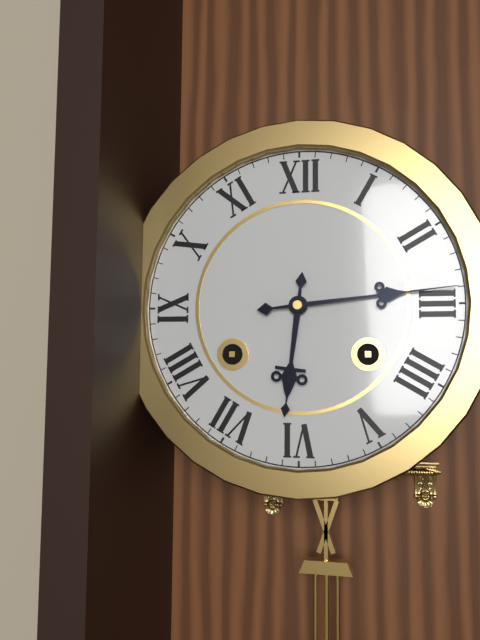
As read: h=6 m=14
